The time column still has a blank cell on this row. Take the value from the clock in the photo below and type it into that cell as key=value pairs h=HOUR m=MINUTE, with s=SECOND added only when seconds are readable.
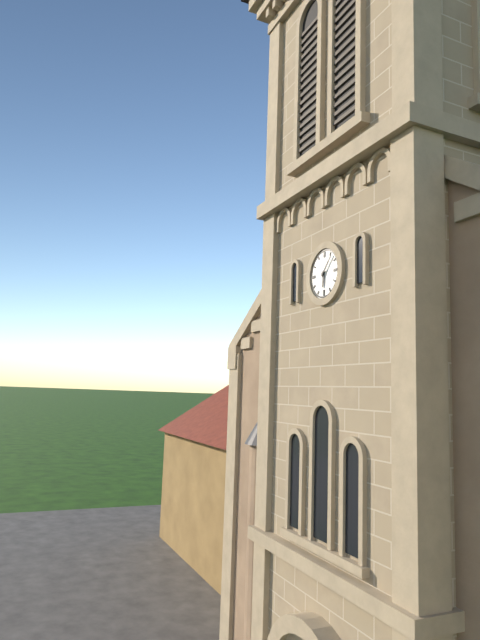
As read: h=6 m=7
